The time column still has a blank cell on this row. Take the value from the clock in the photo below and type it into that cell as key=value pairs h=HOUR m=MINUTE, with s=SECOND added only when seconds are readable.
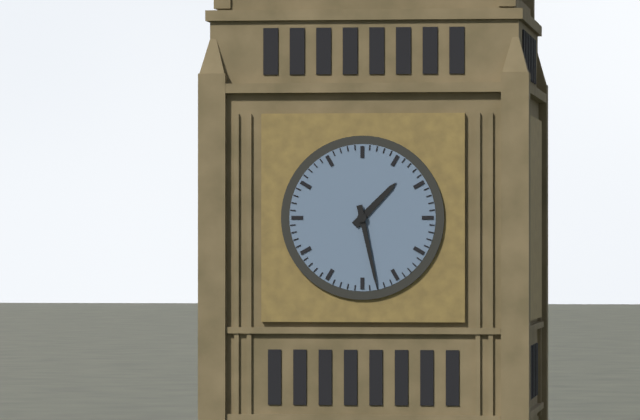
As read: h=1 m=28
